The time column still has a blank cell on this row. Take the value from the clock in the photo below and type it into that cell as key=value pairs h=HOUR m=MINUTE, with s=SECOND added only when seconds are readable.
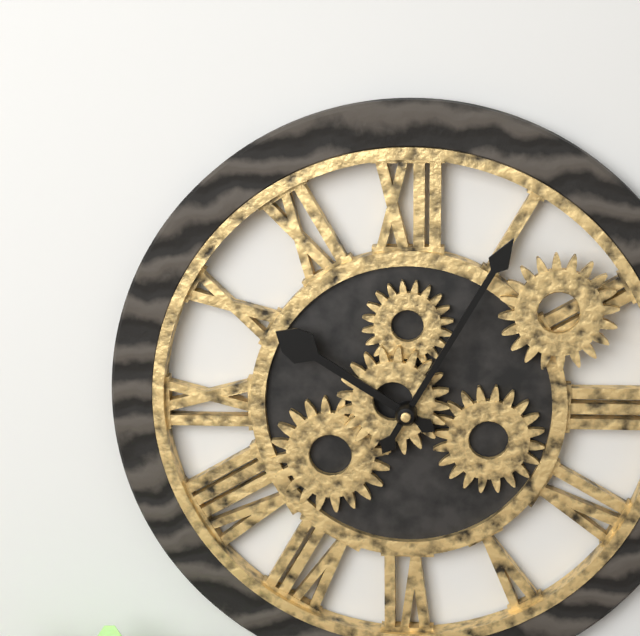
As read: h=10 m=5
